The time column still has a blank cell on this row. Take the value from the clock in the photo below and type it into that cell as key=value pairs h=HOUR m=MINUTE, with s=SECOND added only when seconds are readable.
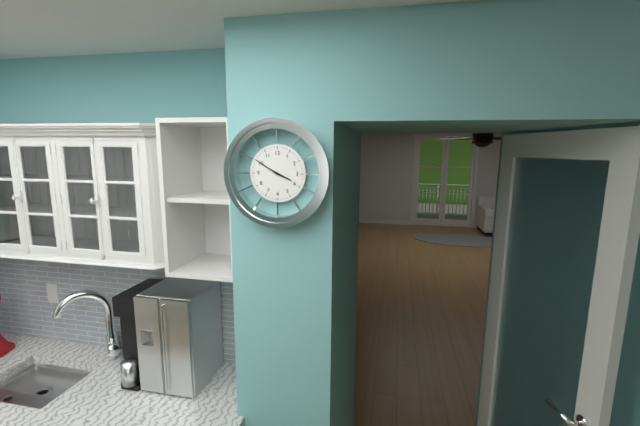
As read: h=3 m=50
